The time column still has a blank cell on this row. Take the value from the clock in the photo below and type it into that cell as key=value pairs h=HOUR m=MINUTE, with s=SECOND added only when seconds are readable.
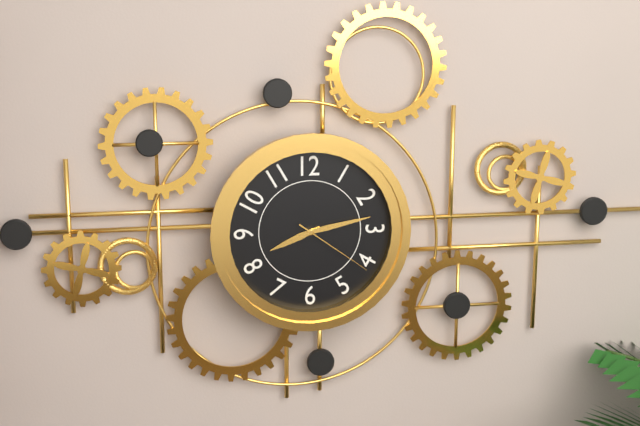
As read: h=8 m=13 s=21
